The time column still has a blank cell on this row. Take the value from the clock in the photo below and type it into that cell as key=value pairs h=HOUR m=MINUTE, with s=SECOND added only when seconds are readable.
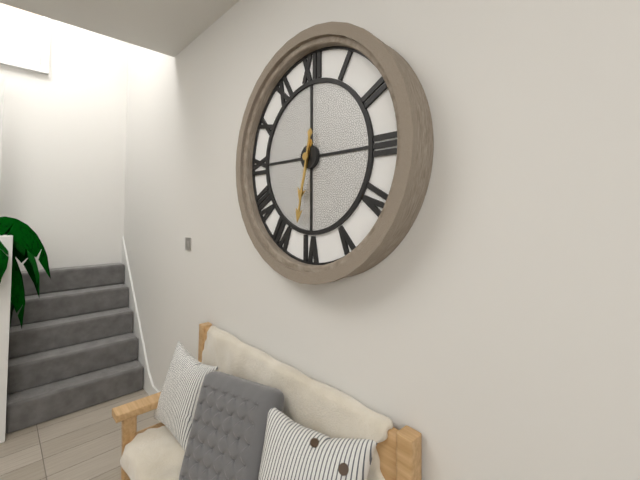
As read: h=6 m=32
